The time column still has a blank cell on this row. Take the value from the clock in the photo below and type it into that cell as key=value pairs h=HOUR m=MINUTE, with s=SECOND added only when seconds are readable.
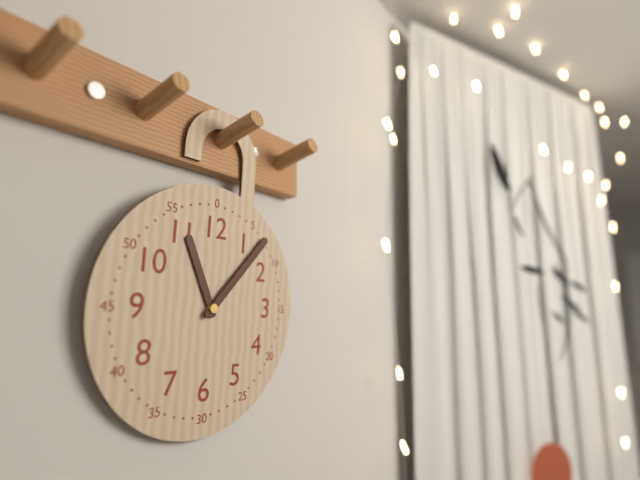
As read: h=11 m=7
